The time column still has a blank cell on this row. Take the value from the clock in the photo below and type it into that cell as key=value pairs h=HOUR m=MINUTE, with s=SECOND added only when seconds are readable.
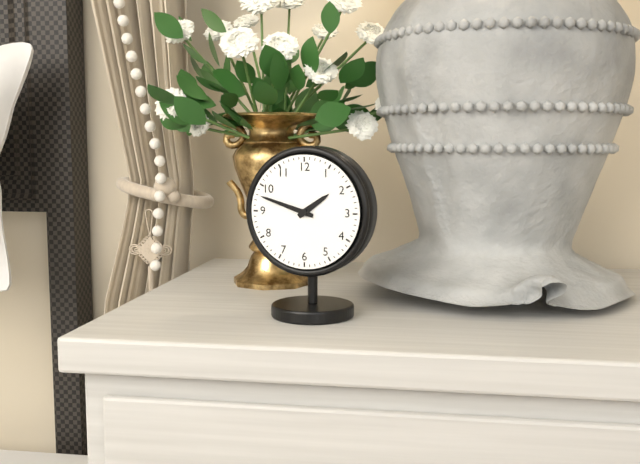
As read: h=1 m=48
